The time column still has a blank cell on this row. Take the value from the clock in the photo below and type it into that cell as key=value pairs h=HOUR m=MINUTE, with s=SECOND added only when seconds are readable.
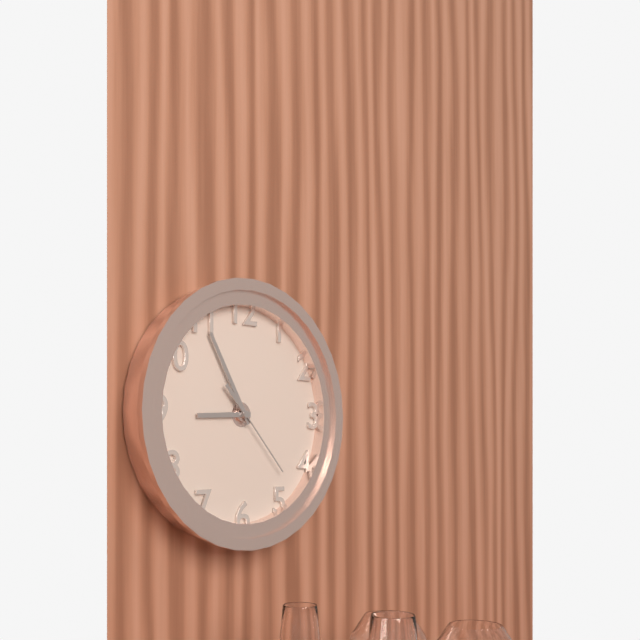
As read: h=8 m=55 s=23
